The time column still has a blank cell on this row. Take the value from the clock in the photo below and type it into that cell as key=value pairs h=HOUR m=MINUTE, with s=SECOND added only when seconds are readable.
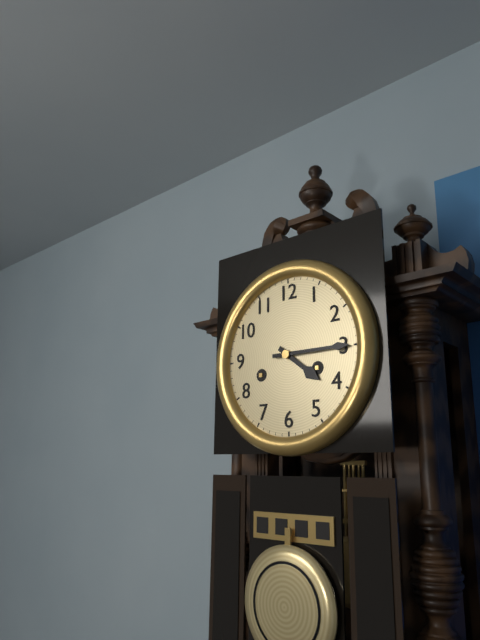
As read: h=4 m=15
